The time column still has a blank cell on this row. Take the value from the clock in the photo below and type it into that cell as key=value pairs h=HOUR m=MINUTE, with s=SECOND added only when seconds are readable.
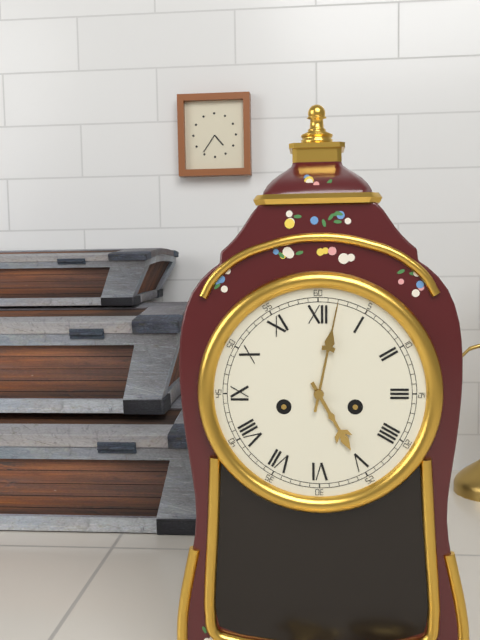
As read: h=5 m=2
